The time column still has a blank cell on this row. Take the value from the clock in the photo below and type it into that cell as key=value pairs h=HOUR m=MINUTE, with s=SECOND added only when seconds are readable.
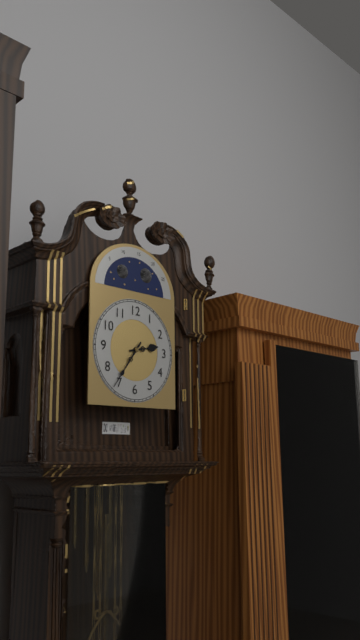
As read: h=2 m=36
